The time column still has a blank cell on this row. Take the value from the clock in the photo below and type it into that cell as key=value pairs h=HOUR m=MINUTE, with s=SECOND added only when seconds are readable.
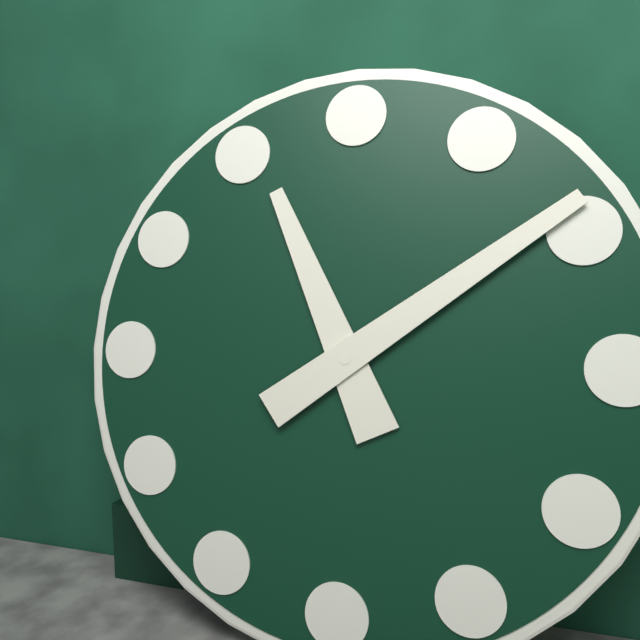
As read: h=11 m=9
